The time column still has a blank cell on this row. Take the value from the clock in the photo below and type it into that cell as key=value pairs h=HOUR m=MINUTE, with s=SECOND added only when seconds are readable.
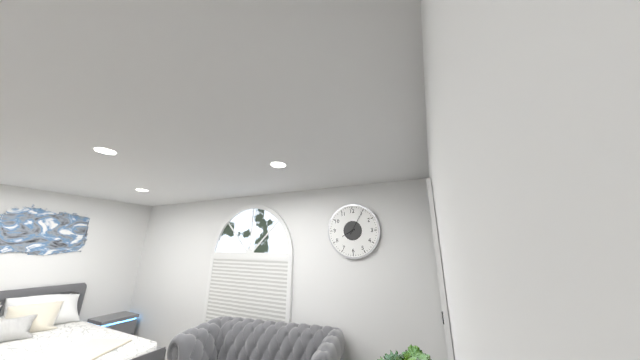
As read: h=8 m=5
